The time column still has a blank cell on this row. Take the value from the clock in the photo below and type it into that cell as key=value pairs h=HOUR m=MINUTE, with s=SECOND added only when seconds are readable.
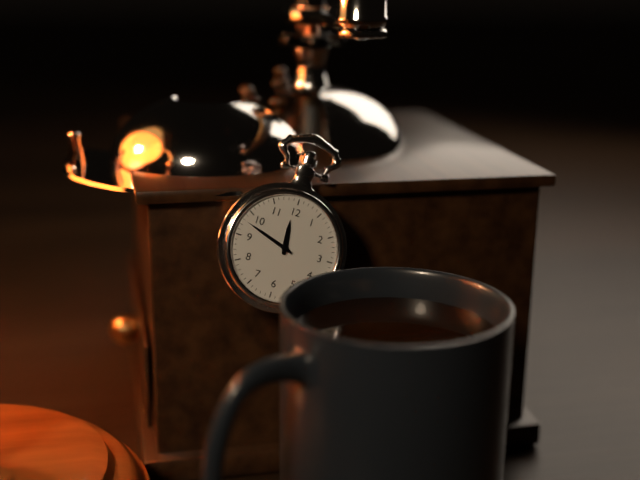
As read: h=11 m=48
